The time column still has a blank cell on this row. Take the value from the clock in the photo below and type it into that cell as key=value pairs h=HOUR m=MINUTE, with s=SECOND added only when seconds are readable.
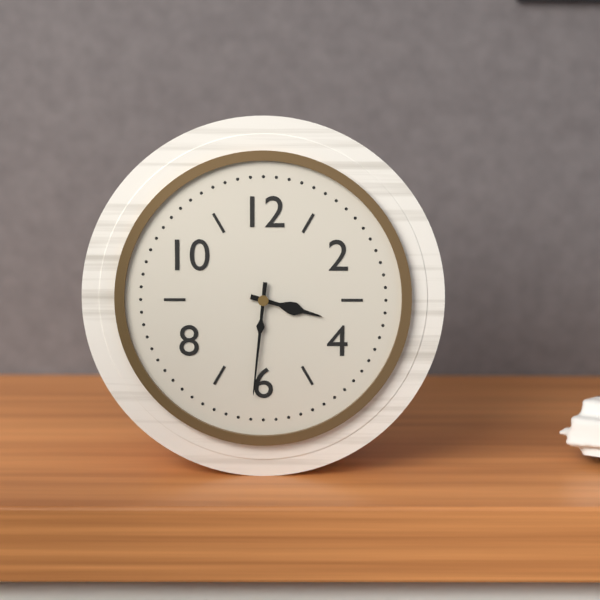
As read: h=3 m=31
